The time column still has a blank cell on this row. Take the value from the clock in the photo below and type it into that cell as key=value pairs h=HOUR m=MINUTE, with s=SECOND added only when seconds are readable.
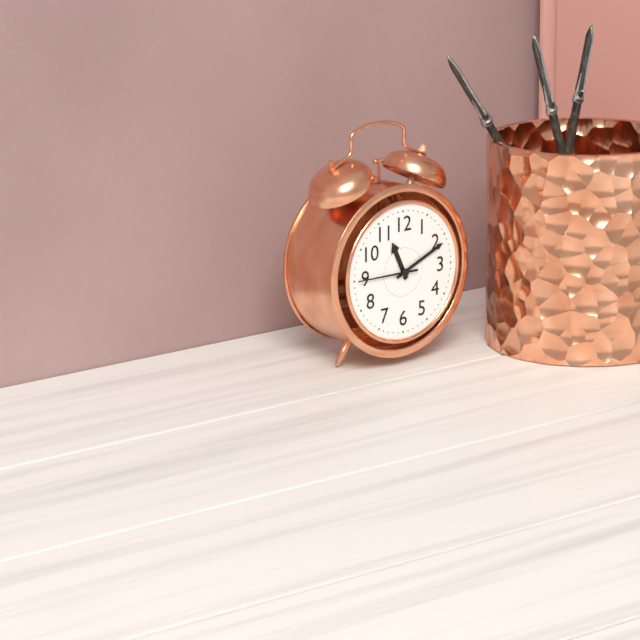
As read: h=11 m=11 s=45
